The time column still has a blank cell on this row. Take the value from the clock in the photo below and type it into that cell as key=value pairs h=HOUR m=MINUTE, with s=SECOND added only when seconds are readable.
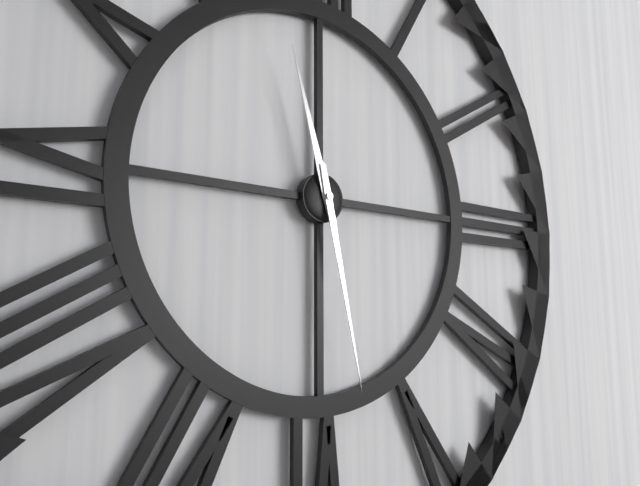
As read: h=11 m=28
